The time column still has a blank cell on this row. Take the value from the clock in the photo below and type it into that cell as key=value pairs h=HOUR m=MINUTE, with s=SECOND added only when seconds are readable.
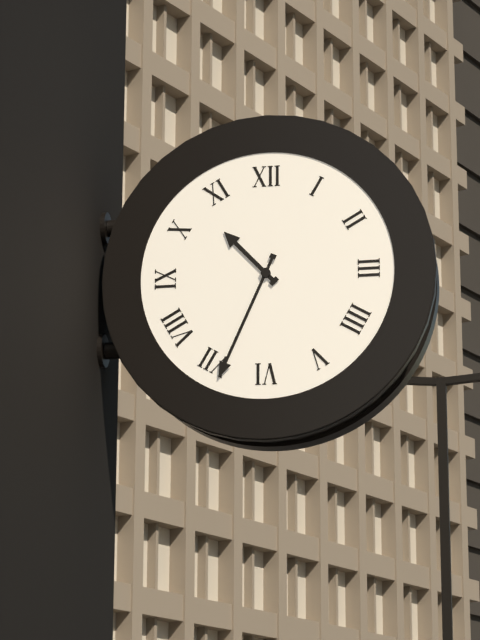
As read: h=10 m=34
